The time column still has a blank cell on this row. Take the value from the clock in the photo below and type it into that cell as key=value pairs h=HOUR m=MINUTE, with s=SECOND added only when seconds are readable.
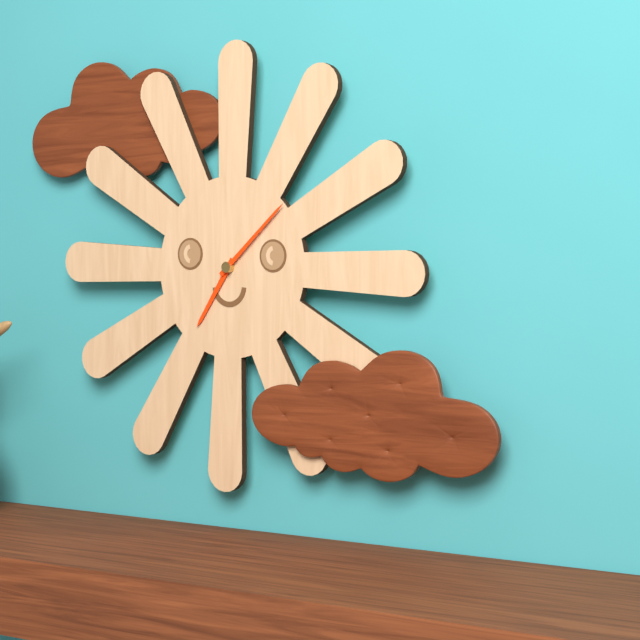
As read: h=7 m=8
